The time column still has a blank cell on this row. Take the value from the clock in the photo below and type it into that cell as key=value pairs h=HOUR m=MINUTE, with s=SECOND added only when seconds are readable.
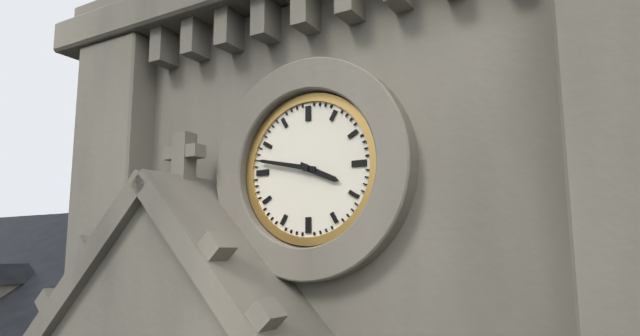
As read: h=3 m=47
